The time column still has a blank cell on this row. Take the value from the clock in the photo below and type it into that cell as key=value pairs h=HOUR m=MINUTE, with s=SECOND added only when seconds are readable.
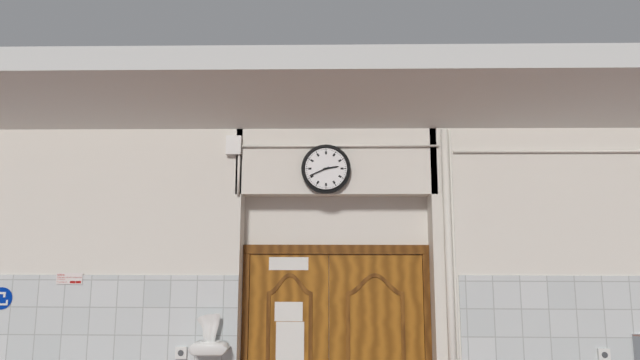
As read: h=2 m=41
